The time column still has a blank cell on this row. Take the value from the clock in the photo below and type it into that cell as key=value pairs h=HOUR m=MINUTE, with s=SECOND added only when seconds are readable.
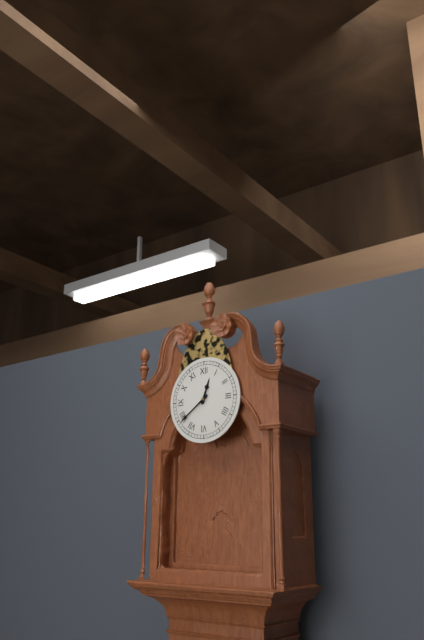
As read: h=12 m=39
